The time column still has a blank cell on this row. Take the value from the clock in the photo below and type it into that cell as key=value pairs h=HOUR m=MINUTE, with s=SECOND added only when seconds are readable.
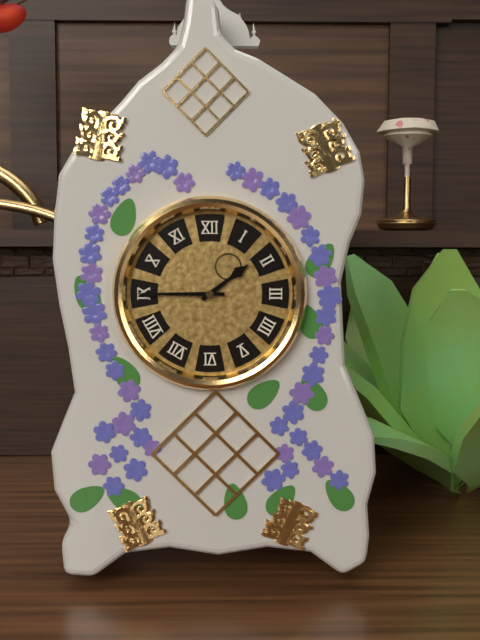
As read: h=1 m=45
